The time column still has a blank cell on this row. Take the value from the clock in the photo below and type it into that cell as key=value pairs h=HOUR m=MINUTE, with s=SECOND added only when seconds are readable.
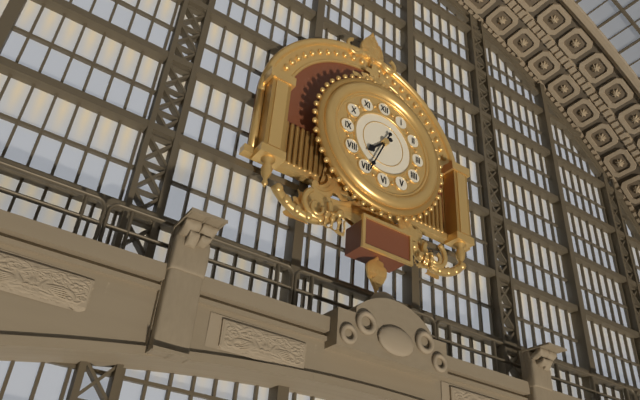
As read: h=7 m=34
